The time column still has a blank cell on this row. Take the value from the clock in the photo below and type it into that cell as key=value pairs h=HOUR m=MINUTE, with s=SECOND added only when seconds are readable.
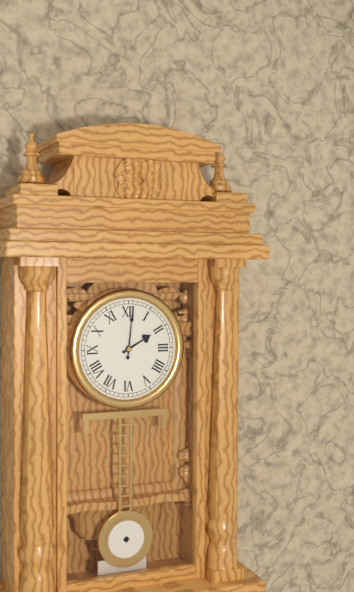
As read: h=2 m=1
